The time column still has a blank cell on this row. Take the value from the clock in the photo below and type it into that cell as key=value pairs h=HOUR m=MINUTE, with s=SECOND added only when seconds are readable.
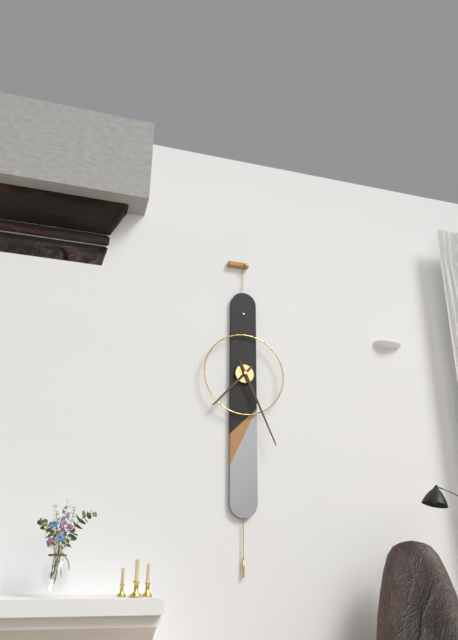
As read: h=7 m=26
